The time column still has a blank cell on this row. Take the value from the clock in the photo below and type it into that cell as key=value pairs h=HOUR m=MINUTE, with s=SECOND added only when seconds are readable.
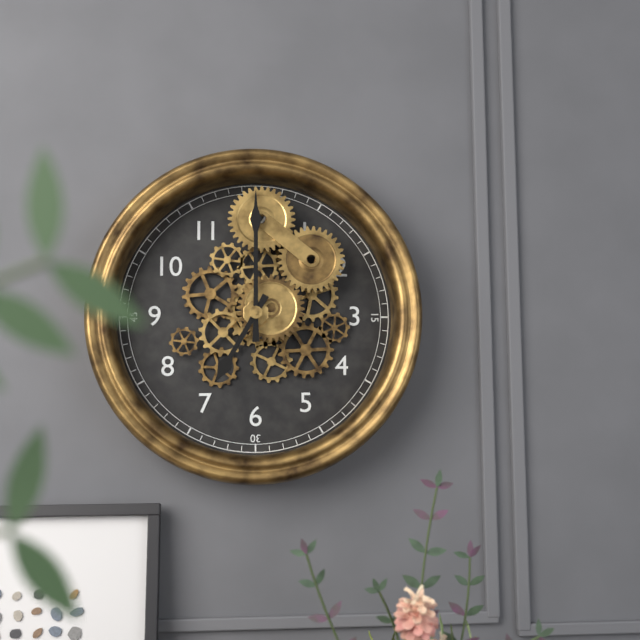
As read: h=7 m=0
